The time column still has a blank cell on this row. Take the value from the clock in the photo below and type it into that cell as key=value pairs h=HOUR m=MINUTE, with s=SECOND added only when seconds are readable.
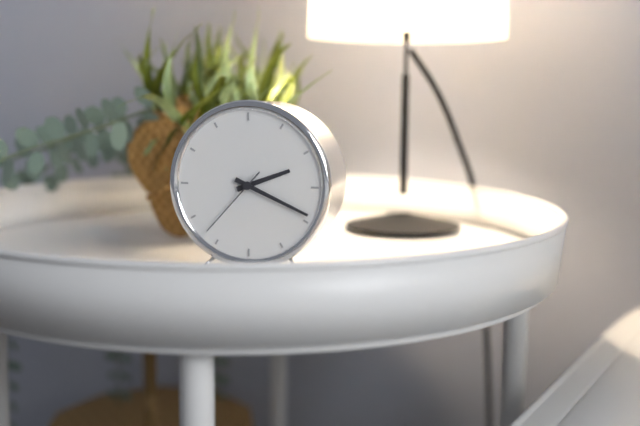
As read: h=2 m=19 s=37
